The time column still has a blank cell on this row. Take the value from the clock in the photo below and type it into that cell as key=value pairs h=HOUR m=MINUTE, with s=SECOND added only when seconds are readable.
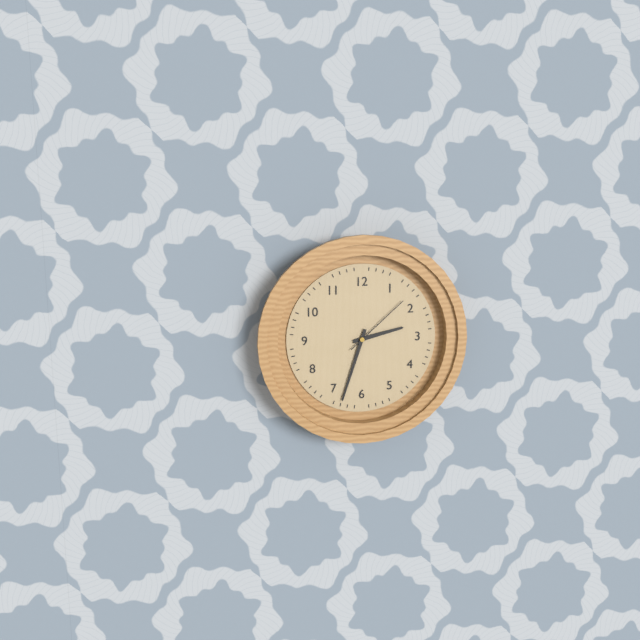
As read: h=2 m=33 s=8
